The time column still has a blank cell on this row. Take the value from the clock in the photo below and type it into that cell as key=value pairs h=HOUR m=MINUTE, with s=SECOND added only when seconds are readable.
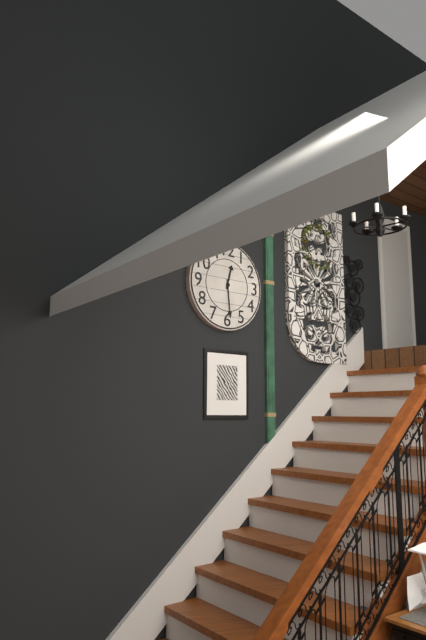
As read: h=12 m=29
